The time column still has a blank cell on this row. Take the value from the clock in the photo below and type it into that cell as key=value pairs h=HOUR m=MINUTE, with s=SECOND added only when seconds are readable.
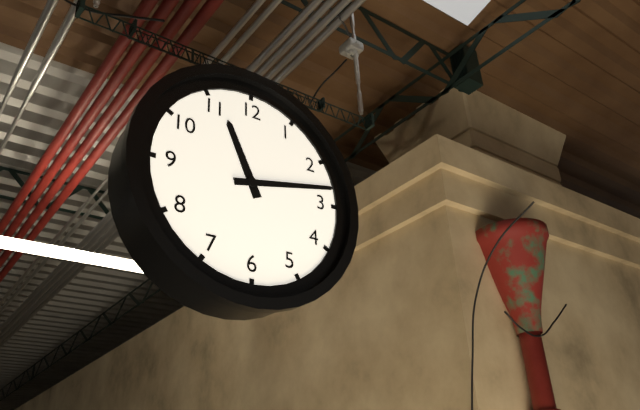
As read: h=11 m=13
